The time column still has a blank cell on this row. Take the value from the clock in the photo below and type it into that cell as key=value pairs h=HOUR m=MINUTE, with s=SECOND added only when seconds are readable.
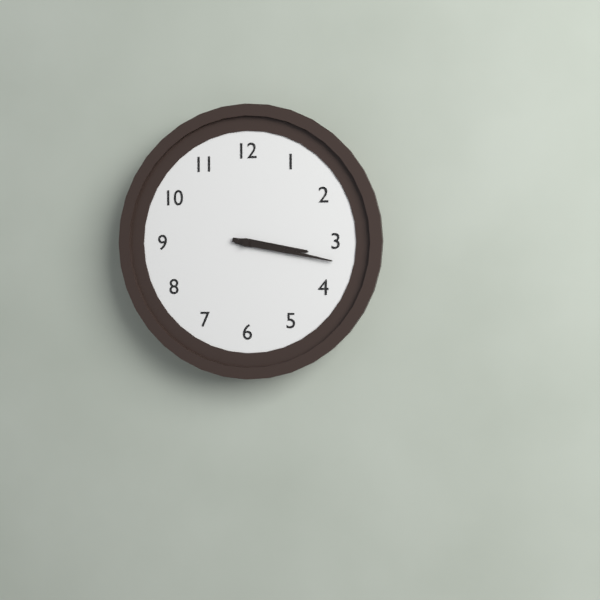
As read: h=3 m=17
